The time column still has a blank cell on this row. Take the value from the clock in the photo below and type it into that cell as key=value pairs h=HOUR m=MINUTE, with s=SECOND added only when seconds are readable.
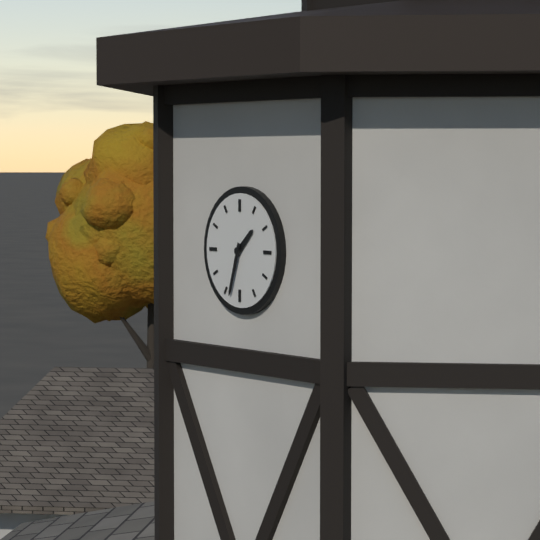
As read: h=1 m=33
